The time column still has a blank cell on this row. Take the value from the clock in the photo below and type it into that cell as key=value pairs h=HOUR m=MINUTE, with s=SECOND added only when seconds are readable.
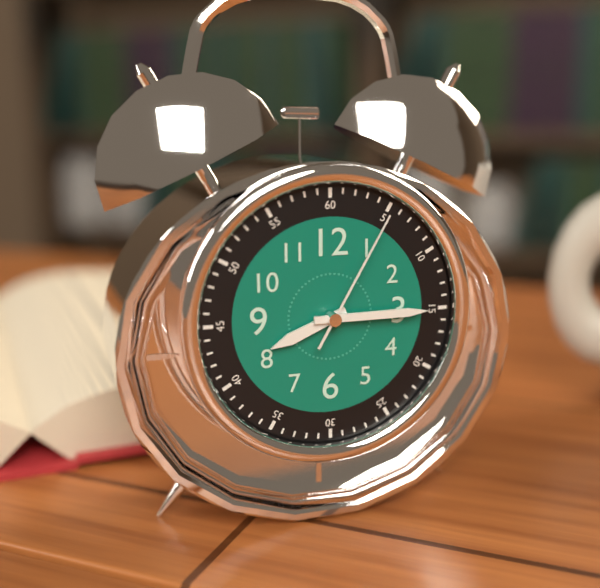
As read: h=8 m=15 s=5
